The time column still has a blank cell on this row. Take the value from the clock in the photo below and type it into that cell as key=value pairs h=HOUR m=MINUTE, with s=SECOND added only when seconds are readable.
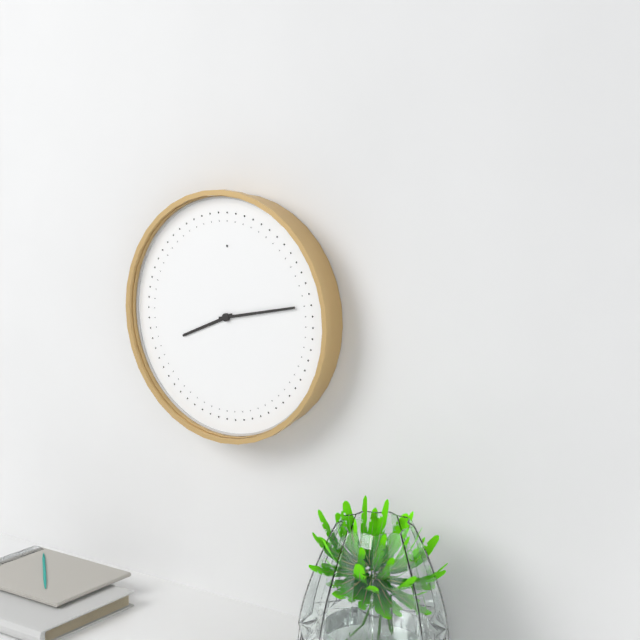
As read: h=8 m=13
